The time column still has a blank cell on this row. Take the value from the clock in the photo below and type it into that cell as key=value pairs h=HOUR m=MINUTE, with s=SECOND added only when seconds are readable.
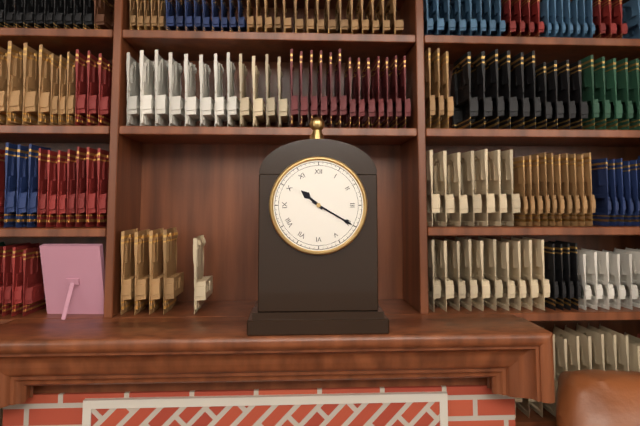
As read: h=10 m=20
